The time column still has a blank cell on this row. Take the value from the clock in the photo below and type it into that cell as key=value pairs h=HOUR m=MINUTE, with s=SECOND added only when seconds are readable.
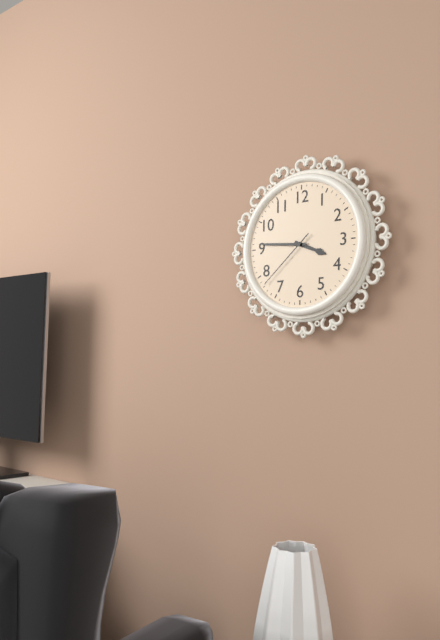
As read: h=3 m=46 s=38
